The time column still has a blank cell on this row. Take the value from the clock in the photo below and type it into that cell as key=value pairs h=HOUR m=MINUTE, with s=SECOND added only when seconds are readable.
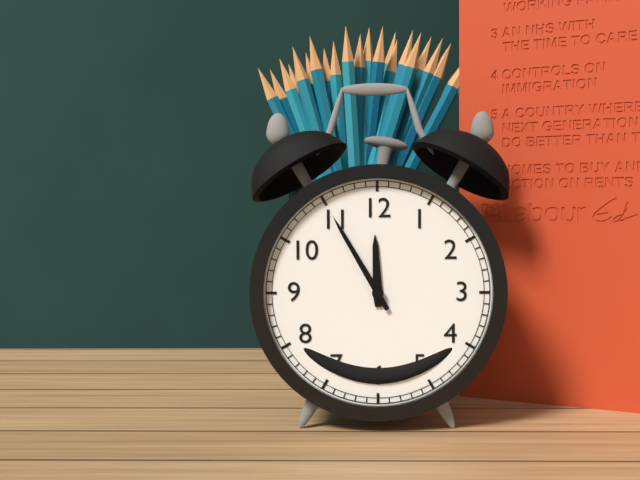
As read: h=11 m=55
